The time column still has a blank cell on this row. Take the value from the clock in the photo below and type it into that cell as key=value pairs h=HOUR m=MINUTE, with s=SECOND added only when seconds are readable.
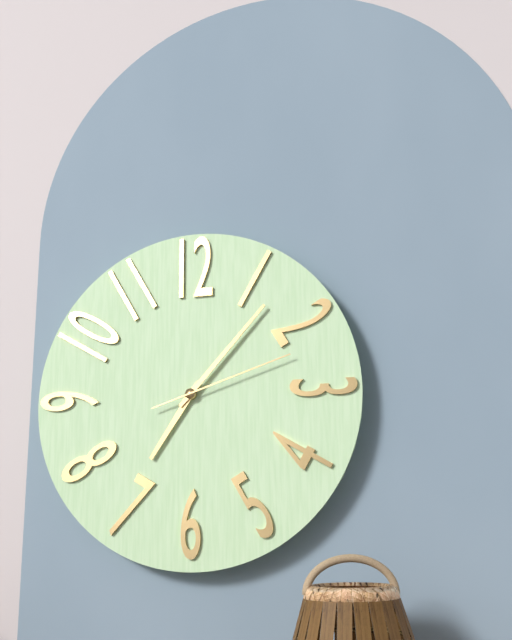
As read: h=7 m=7 s=12
